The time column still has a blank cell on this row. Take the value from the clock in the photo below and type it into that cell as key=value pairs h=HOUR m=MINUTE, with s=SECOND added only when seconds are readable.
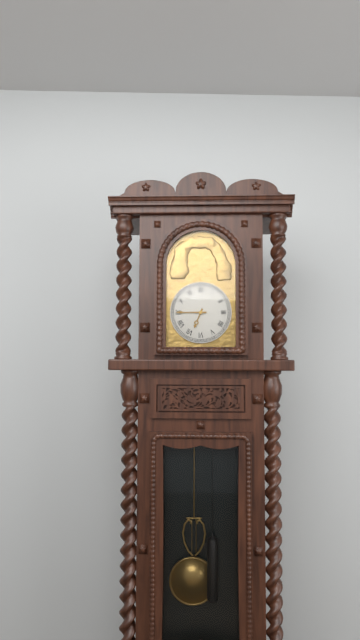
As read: h=6 m=45
